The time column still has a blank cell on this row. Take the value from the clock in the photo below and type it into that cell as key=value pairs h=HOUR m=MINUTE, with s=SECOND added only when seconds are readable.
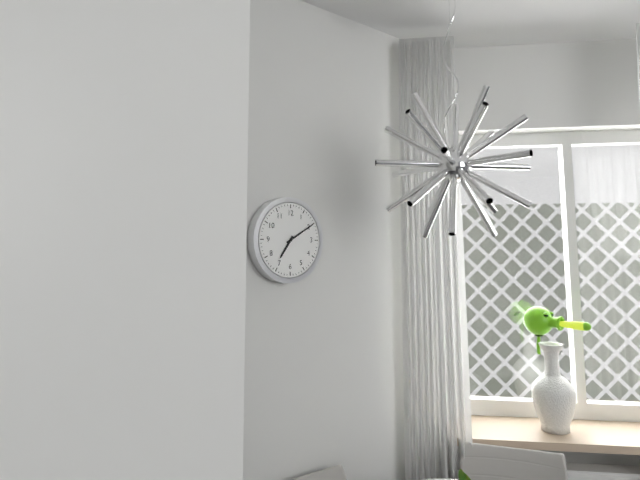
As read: h=7 m=10
